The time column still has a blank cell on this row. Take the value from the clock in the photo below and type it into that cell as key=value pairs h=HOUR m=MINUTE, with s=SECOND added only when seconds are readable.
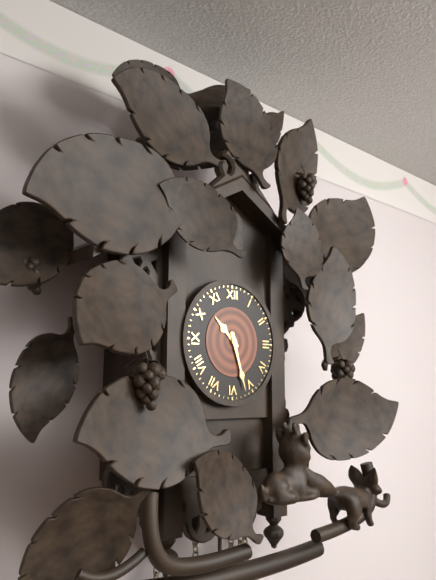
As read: h=10 m=27
